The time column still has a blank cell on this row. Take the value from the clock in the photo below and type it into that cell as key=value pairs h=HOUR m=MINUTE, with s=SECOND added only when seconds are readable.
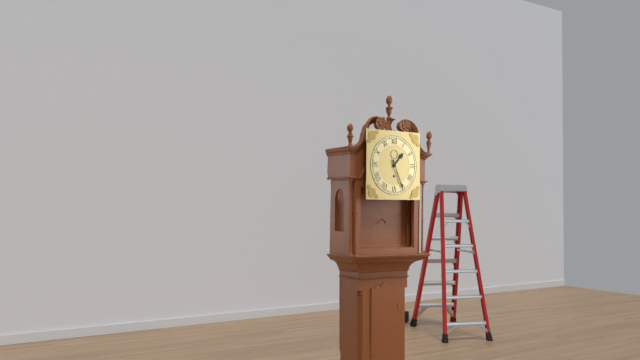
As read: h=1 m=26
